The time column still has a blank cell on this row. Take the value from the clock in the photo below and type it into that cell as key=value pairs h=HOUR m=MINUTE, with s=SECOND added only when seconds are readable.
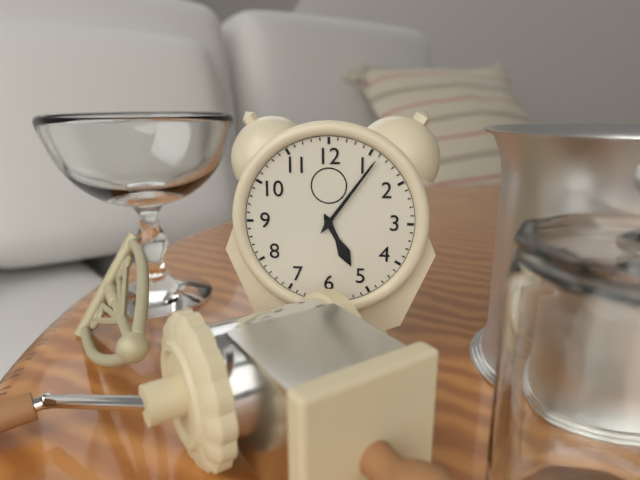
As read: h=5 m=6
